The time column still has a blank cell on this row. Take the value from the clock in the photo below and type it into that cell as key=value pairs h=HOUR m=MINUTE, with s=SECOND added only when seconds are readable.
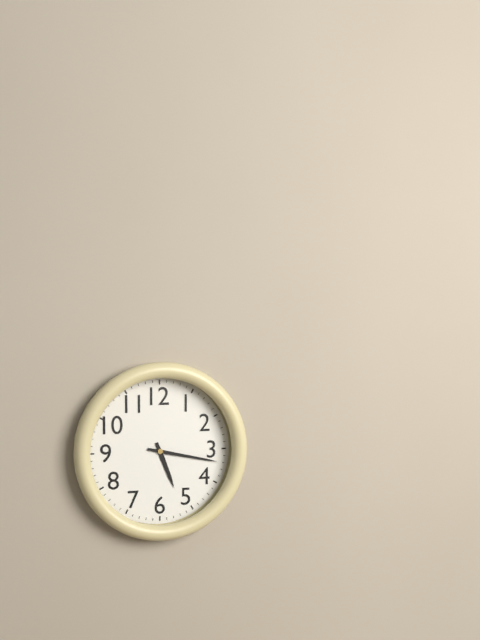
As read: h=5 m=17
